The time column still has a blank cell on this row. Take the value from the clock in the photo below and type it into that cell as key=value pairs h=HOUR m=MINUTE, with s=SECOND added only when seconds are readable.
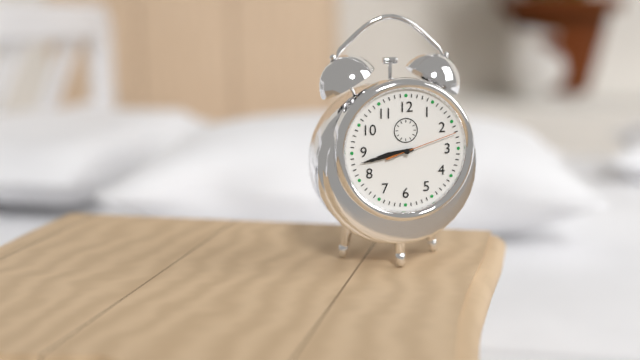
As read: h=8 m=43 s=12
